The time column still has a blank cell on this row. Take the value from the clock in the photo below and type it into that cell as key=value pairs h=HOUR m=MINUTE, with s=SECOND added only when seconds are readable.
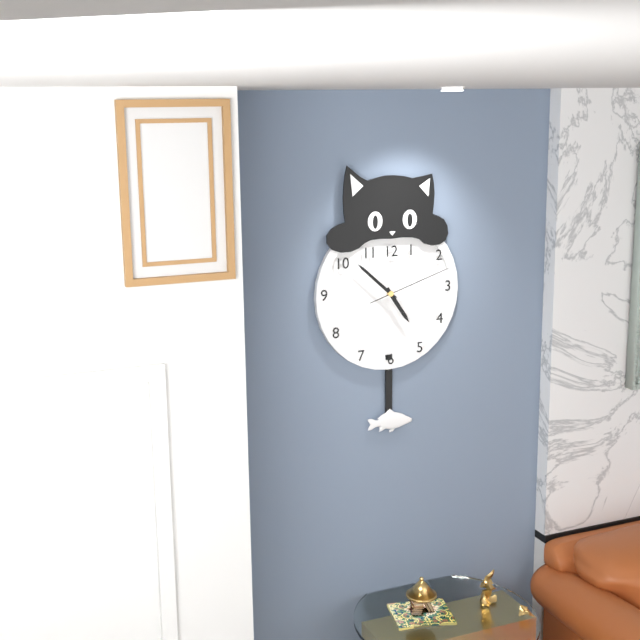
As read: h=4 m=52 s=12
